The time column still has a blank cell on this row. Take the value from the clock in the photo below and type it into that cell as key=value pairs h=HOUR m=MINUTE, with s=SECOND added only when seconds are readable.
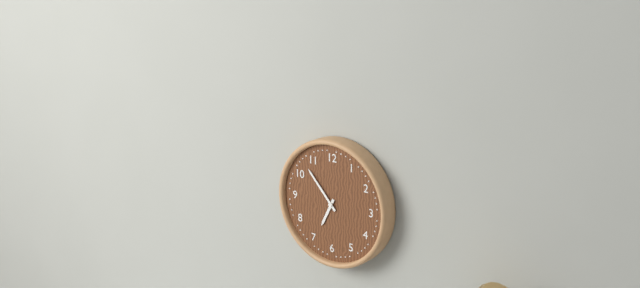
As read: h=6 m=53
